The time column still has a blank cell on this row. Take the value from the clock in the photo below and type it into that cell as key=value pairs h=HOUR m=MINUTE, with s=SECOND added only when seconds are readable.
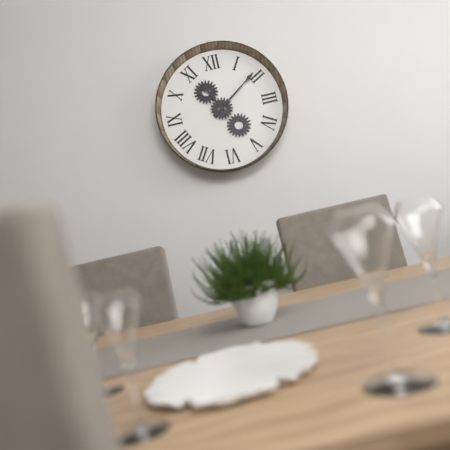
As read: h=11 m=9
